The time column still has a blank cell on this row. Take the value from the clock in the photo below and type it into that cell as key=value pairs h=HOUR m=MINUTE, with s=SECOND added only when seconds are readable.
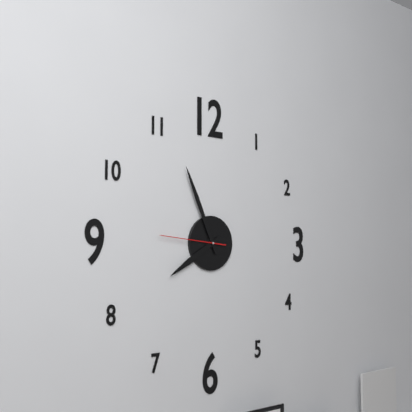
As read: h=7 m=56 s=46
